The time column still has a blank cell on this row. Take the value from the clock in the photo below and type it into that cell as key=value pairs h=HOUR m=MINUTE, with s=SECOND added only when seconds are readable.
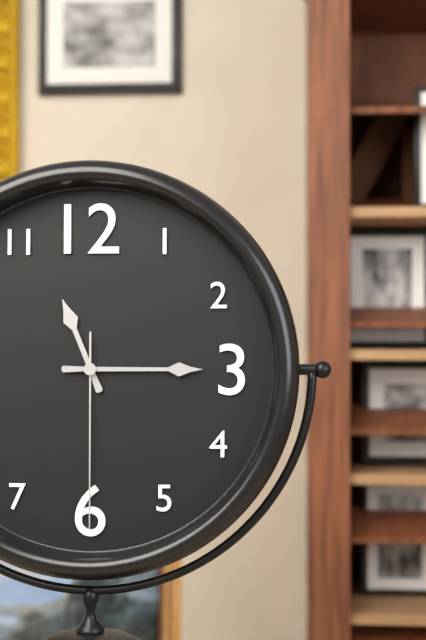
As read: h=11 m=15 s=30
